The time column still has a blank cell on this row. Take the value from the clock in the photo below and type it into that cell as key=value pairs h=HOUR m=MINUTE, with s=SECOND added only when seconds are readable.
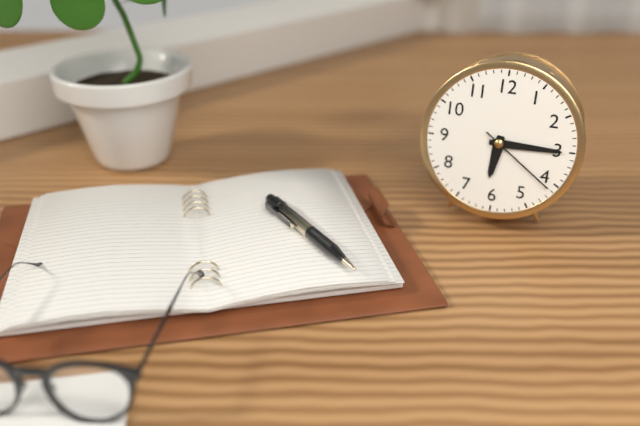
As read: h=6 m=15 s=21
